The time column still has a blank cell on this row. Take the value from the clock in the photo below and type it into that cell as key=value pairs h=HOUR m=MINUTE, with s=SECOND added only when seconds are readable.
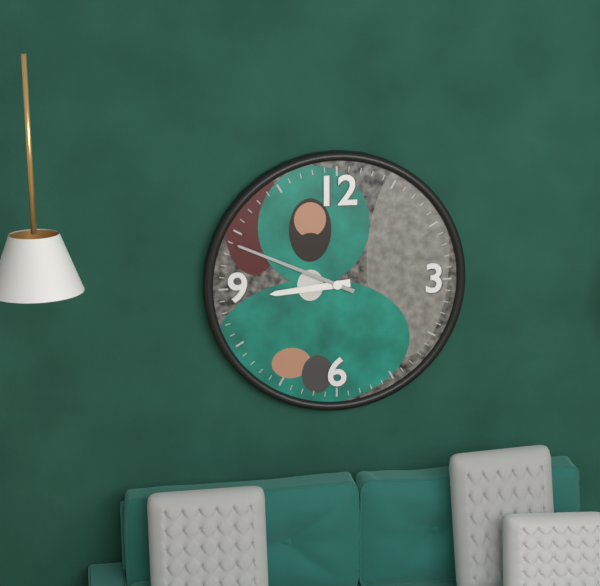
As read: h=8 m=49
